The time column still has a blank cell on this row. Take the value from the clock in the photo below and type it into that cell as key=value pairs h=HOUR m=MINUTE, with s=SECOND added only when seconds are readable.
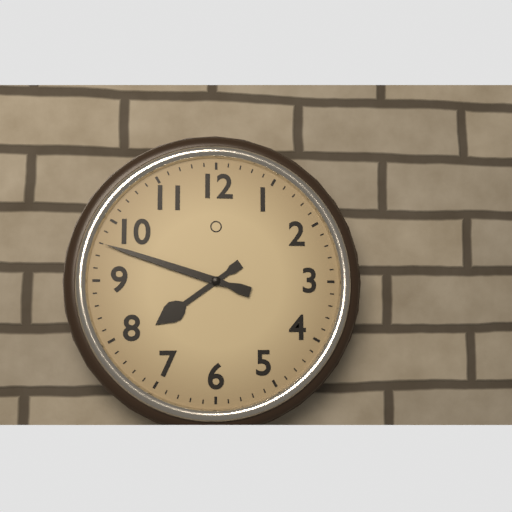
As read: h=7 m=48
